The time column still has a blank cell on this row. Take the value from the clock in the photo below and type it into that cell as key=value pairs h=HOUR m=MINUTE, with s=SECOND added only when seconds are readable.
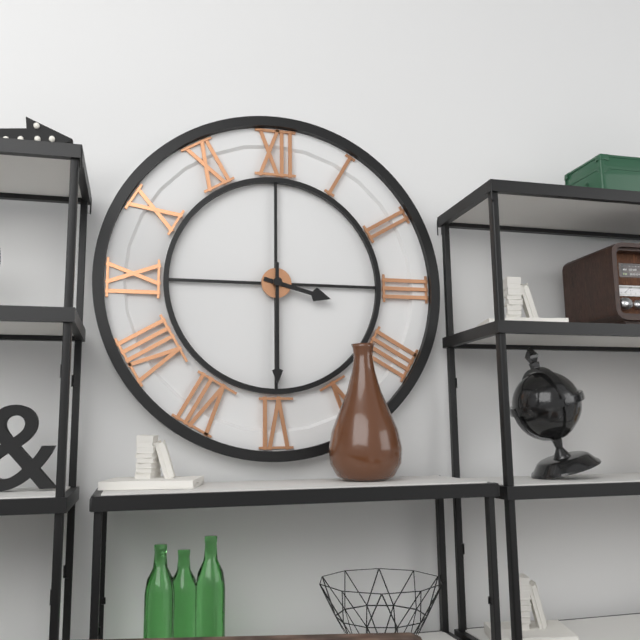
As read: h=3 m=30
